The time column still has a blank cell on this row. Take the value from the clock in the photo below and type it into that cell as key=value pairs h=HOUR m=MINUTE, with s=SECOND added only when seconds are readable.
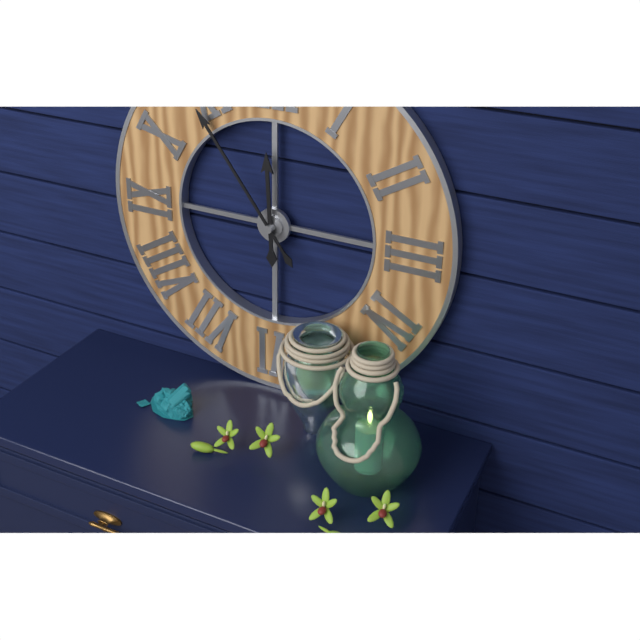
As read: h=11 m=54
